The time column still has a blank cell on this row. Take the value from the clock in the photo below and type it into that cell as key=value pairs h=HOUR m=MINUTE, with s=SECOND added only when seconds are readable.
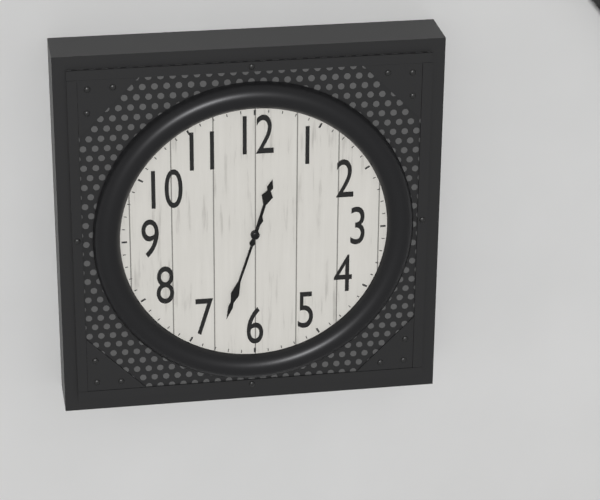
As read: h=12 m=33
